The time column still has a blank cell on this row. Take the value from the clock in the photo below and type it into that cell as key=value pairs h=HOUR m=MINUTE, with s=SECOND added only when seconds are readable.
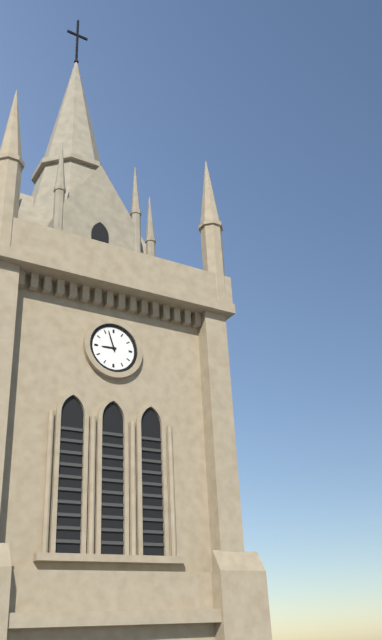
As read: h=8 m=57
